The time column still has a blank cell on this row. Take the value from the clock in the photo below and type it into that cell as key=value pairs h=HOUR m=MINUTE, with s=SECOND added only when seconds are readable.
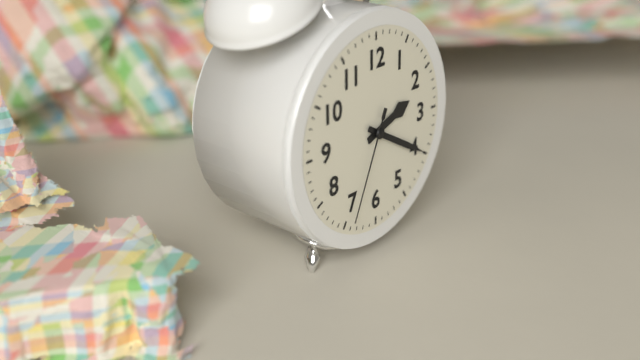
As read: h=2 m=20 s=34
